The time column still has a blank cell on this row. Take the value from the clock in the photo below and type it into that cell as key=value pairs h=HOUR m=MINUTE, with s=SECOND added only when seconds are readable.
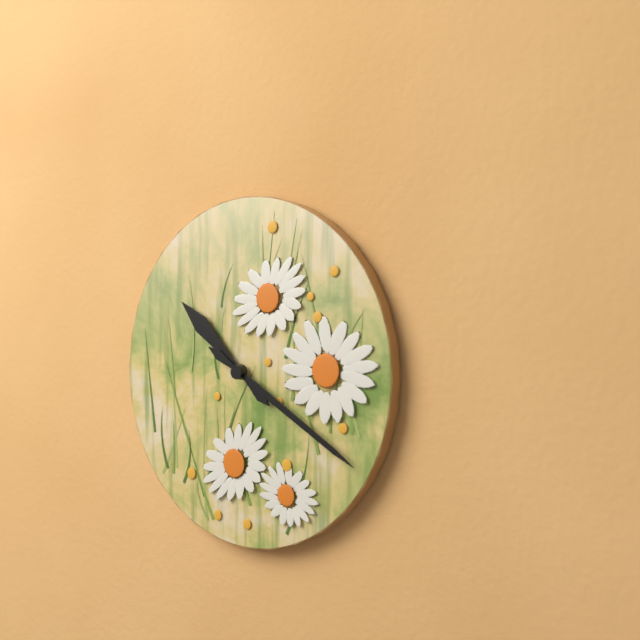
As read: h=10 m=20
